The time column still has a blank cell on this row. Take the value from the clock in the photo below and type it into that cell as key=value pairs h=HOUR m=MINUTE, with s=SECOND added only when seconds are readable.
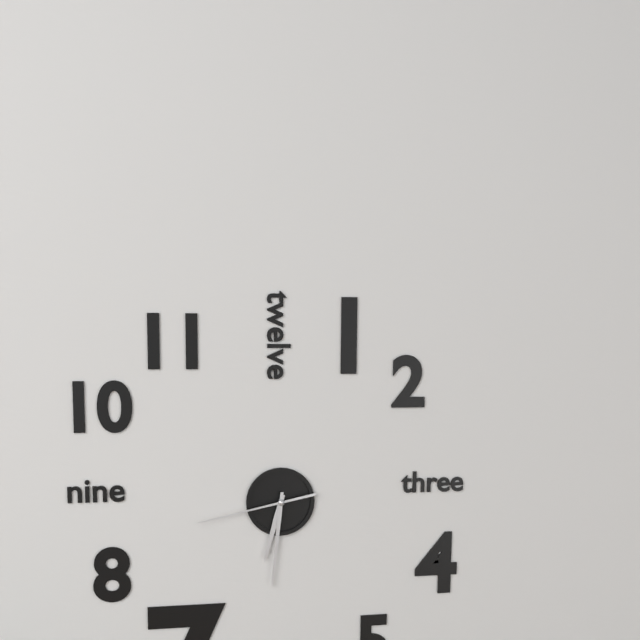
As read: h=6 m=31 s=43
